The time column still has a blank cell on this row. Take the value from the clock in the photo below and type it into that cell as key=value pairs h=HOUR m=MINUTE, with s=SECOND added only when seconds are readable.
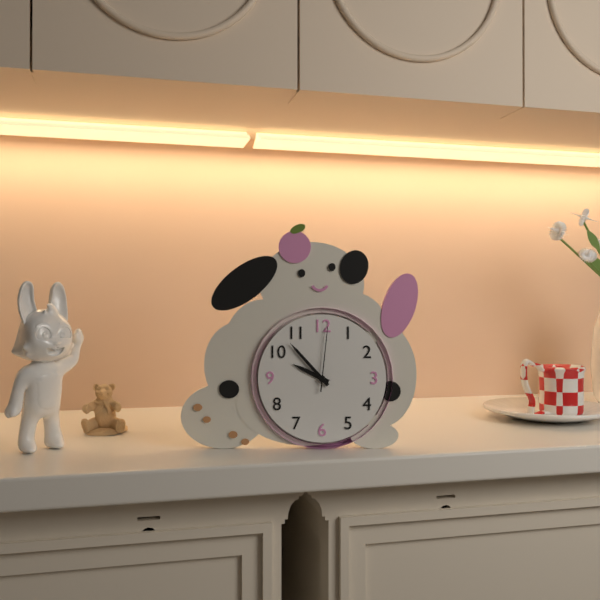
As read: h=9 m=53 s=1
